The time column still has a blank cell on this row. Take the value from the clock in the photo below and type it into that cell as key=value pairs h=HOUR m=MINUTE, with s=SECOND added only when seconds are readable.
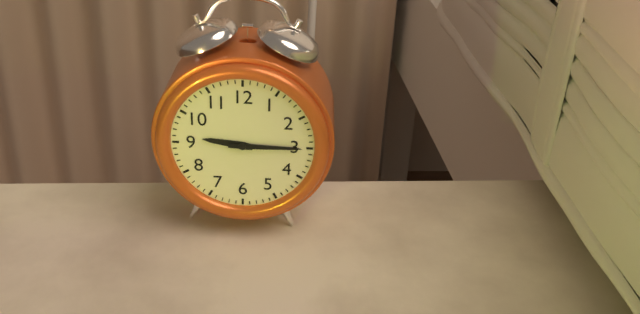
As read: h=9 m=15
